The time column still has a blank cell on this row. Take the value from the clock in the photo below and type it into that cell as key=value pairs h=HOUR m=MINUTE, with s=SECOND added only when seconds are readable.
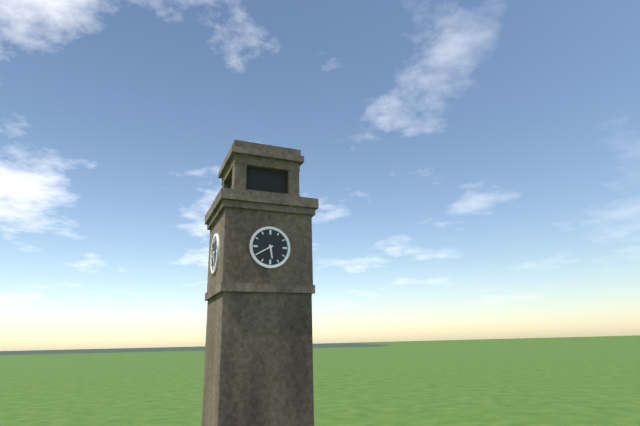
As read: h=5 m=40
